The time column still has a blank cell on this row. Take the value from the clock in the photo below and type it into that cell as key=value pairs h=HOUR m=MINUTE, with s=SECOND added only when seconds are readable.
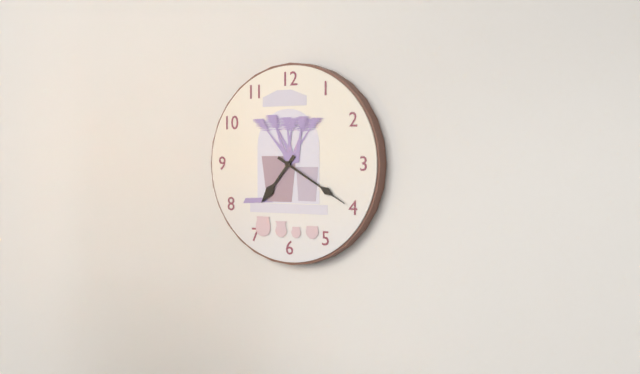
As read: h=7 m=20
